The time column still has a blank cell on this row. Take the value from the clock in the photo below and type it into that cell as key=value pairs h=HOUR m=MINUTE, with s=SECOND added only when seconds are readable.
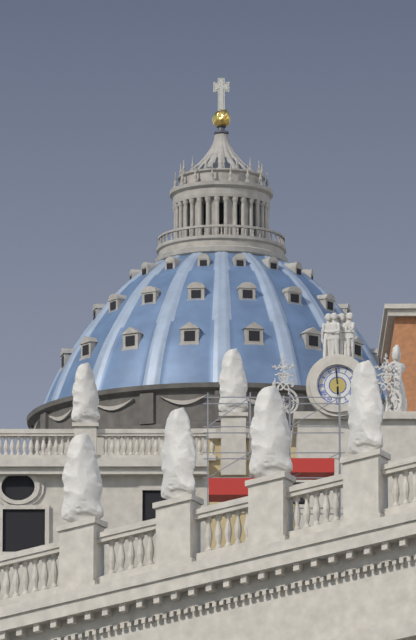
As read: h=5 m=59
